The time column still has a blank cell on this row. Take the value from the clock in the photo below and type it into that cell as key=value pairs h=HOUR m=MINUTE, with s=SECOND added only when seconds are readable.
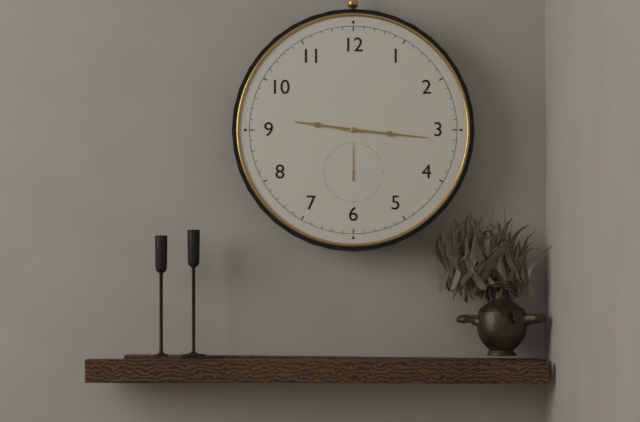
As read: h=9 m=16
